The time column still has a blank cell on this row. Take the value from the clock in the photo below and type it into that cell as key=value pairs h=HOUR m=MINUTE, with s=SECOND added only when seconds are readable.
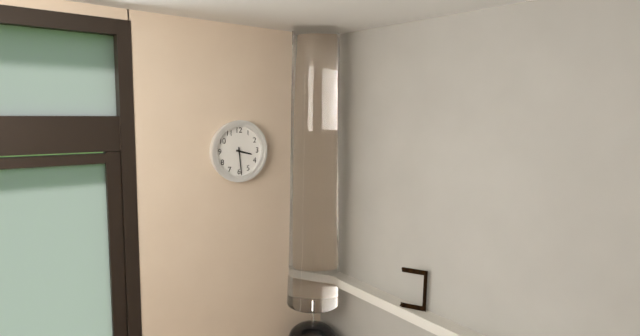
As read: h=3 m=29
